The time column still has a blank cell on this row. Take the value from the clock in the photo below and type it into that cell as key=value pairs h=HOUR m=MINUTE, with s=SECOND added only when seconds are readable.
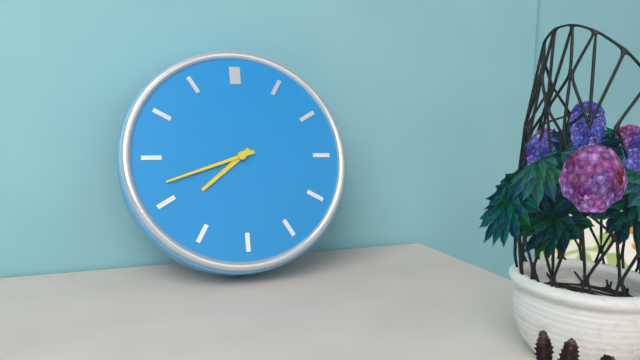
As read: h=7 m=42
